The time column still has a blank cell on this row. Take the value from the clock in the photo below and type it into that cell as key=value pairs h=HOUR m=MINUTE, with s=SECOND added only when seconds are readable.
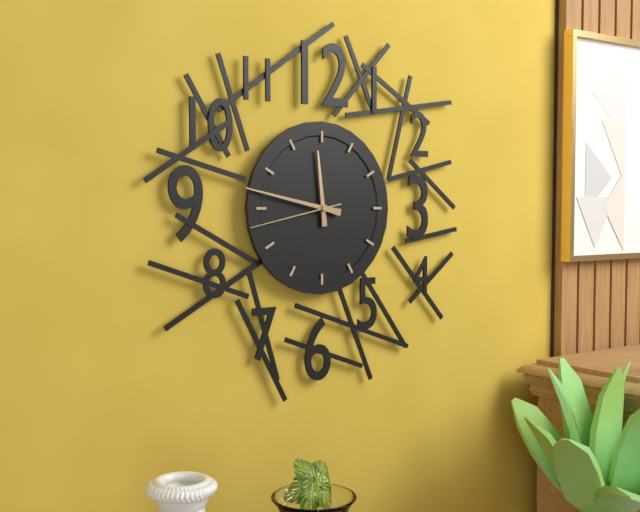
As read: h=11 m=47 s=43
